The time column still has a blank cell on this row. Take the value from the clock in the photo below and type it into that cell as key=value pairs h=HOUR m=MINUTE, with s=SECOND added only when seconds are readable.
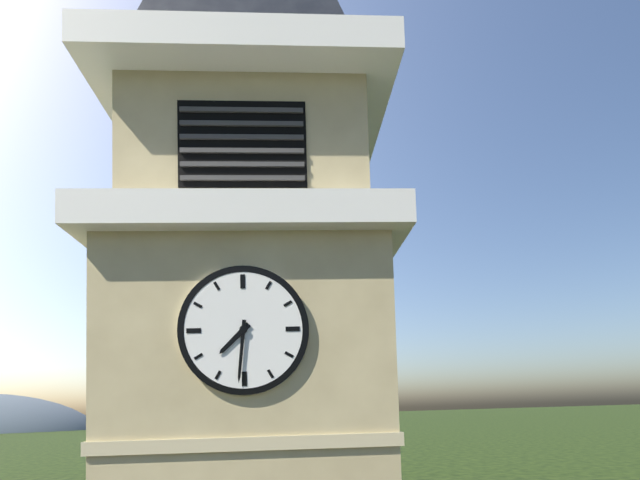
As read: h=7 m=31
